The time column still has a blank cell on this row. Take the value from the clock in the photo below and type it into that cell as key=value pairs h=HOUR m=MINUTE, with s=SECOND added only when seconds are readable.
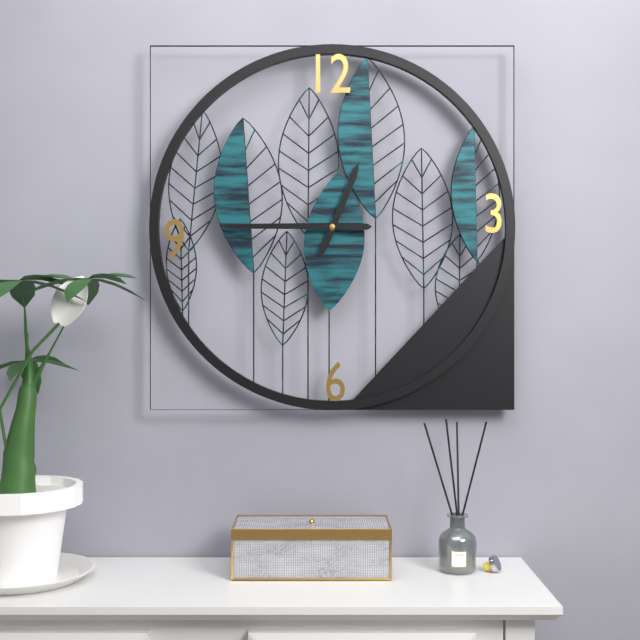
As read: h=12 m=45
